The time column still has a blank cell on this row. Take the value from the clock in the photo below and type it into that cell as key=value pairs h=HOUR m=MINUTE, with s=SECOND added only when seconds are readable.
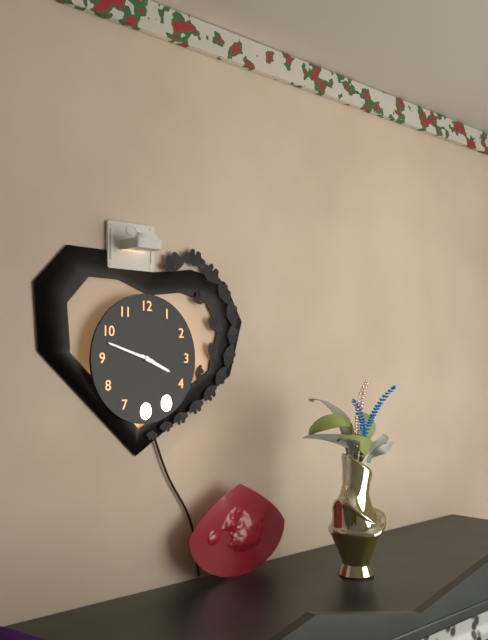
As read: h=3 m=48
